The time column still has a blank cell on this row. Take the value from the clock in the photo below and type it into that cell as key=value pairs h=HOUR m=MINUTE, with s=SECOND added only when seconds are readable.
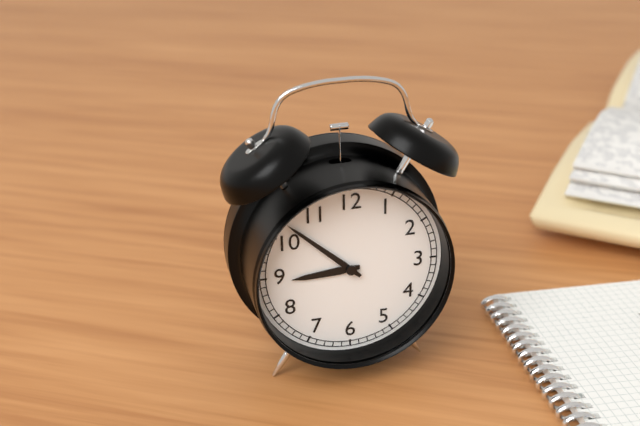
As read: h=8 m=52
